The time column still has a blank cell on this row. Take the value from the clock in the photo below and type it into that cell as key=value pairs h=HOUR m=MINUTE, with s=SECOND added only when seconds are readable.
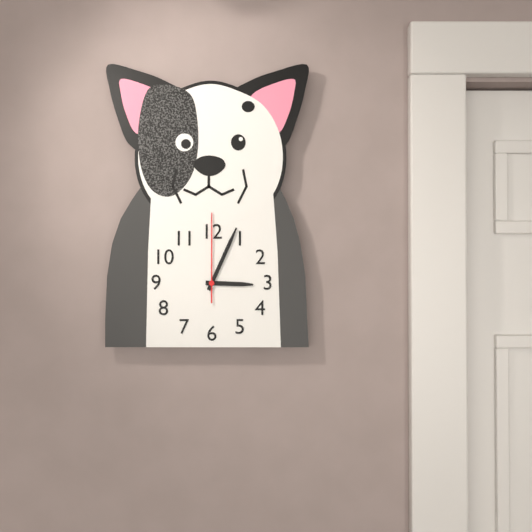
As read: h=3 m=4 s=0
